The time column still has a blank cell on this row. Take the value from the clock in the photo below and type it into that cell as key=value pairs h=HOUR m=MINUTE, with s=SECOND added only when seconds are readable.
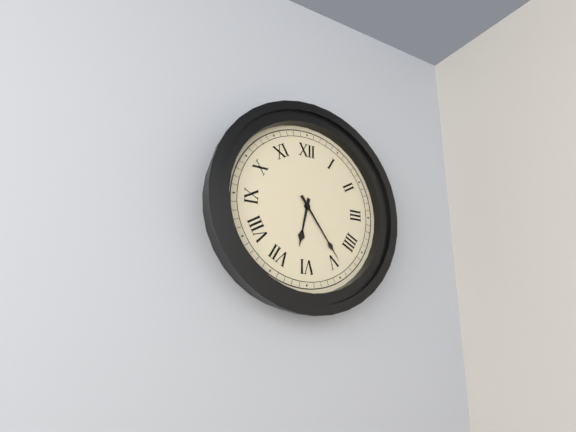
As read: h=6 m=24
